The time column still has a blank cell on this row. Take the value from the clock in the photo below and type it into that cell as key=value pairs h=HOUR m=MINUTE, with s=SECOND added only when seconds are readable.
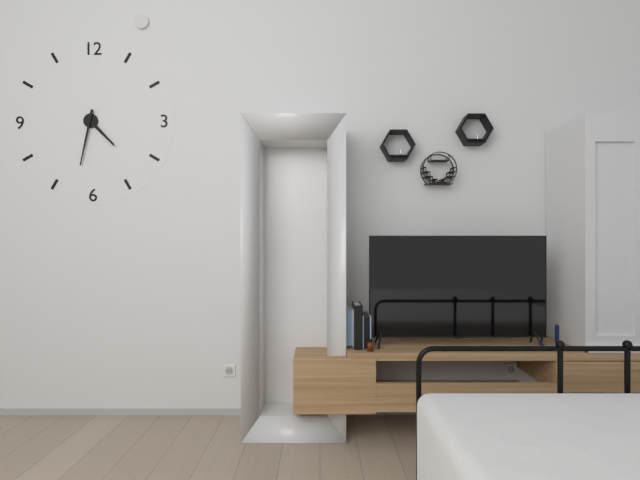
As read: h=4 m=32
